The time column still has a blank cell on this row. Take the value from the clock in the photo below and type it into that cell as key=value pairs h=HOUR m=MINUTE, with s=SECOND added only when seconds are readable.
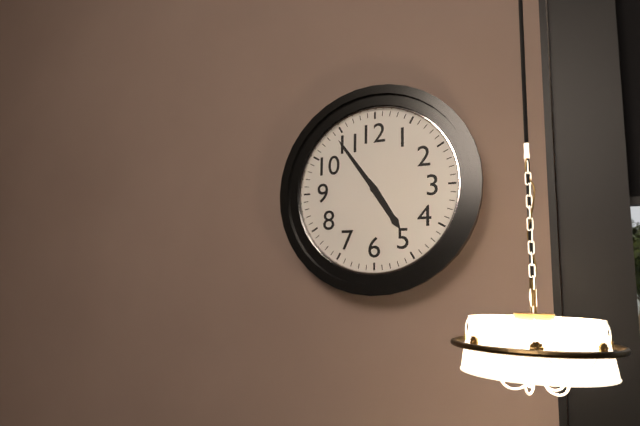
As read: h=4 m=54
